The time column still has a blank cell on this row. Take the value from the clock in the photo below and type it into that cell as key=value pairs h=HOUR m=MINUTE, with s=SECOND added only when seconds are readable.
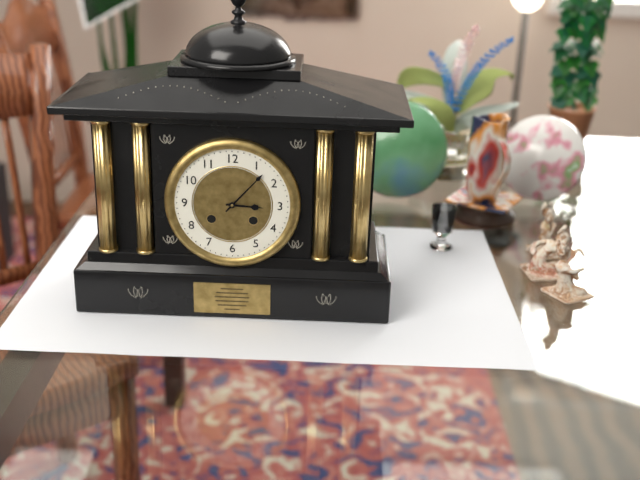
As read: h=3 m=7
